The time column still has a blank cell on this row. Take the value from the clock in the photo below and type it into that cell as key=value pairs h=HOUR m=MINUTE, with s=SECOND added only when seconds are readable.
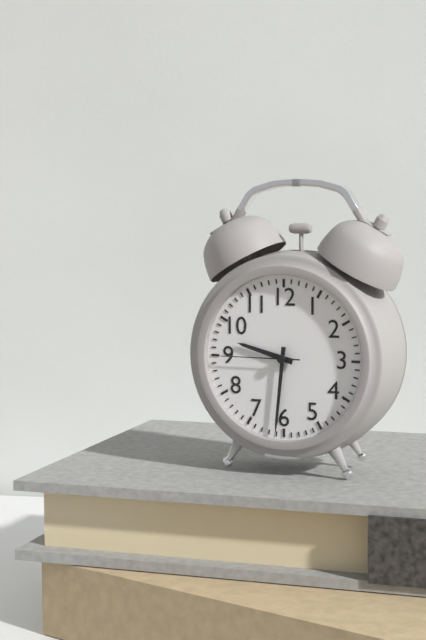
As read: h=9 m=31 s=45
